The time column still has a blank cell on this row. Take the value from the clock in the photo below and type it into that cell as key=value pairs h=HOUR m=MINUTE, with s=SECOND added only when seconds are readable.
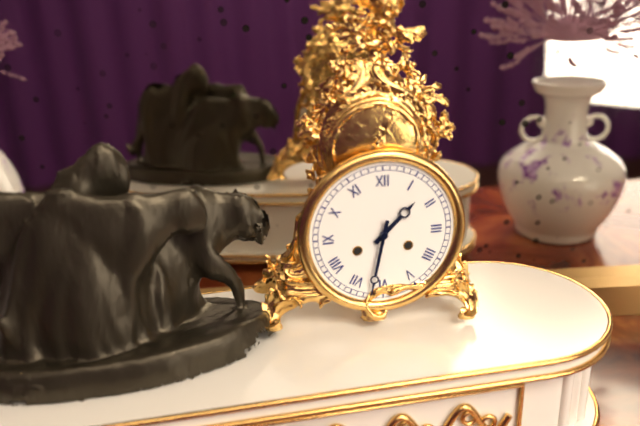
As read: h=1 m=32
